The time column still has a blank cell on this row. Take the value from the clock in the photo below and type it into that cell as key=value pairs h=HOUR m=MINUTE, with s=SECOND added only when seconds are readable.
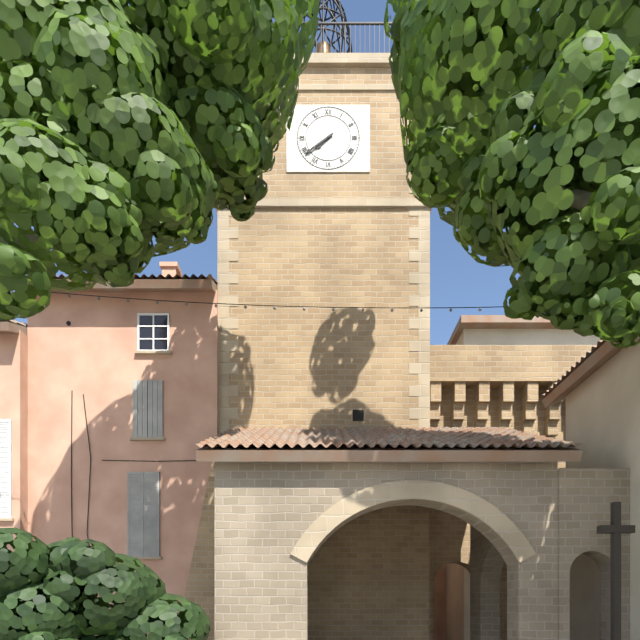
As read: h=7 m=39
